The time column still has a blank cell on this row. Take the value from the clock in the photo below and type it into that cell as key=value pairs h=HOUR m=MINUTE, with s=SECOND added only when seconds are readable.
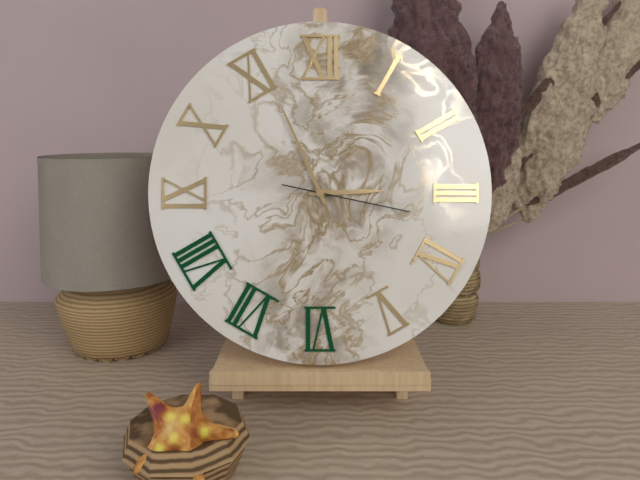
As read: h=2 m=56 s=17
